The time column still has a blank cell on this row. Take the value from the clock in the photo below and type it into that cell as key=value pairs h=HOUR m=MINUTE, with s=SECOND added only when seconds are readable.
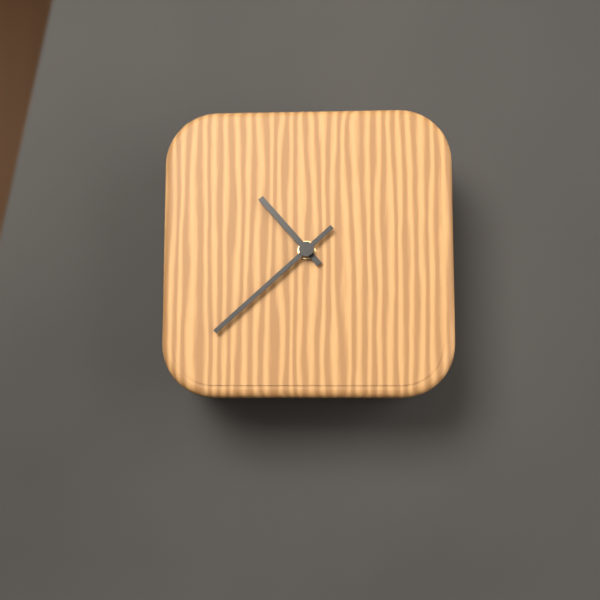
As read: h=10 m=38
